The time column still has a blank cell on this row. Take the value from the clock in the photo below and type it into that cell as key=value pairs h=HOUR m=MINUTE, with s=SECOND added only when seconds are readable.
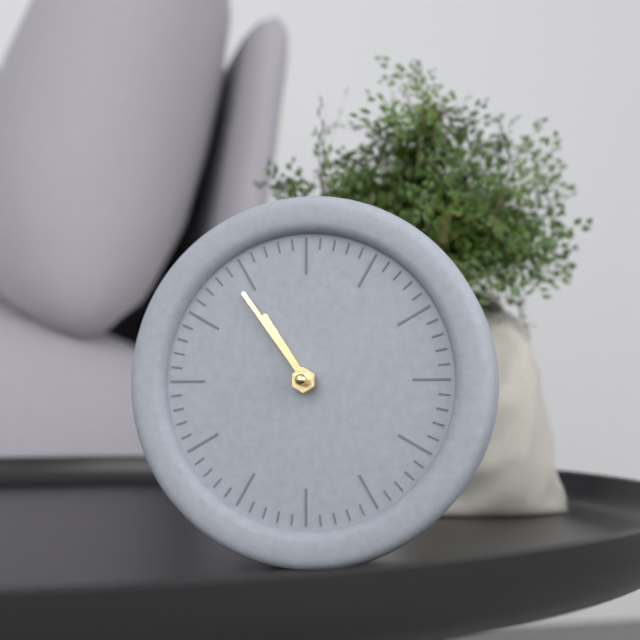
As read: h=10 m=54
